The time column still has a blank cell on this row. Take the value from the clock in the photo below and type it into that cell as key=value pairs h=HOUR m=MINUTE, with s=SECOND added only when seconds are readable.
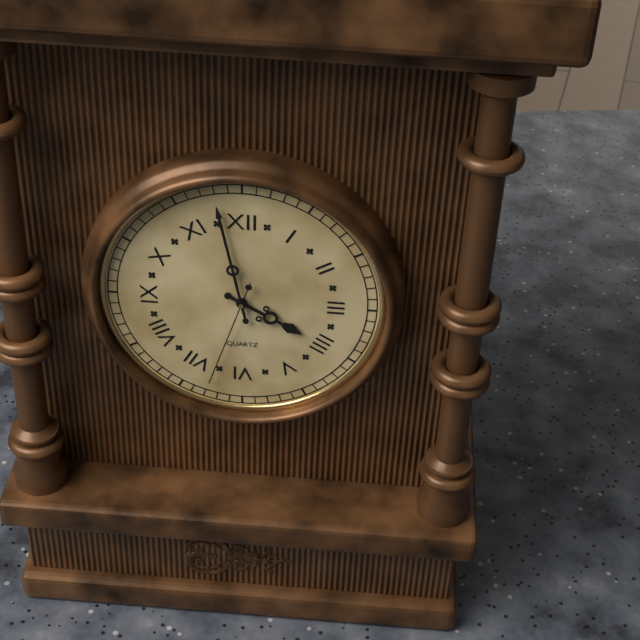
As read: h=3 m=58 s=33
